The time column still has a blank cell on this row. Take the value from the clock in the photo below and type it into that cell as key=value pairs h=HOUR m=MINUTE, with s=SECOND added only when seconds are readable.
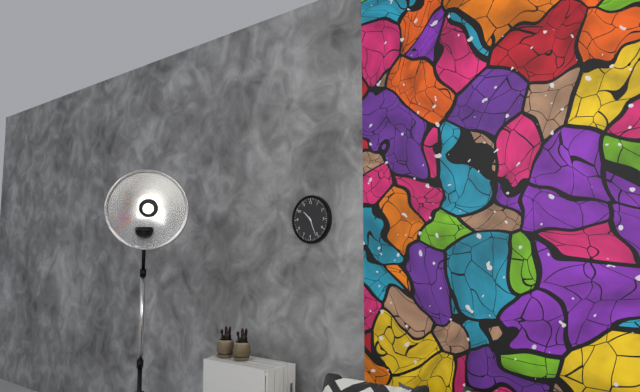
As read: h=10 m=26
